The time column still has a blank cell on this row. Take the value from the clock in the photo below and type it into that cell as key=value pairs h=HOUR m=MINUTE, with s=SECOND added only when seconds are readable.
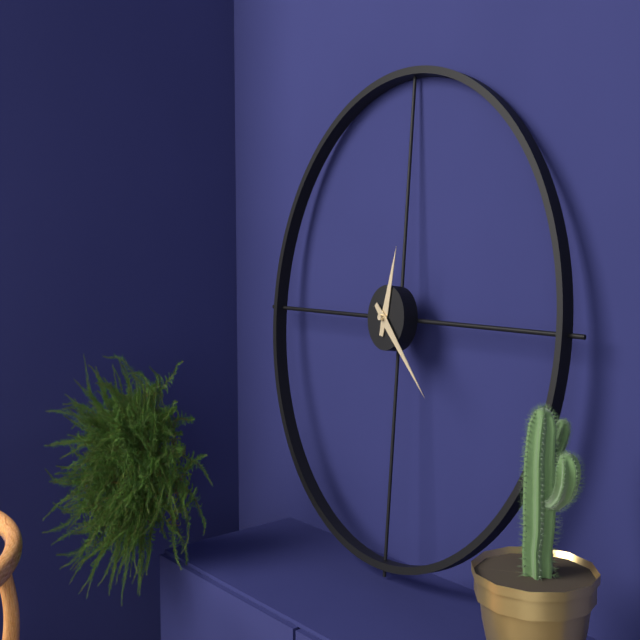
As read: h=12 m=22
